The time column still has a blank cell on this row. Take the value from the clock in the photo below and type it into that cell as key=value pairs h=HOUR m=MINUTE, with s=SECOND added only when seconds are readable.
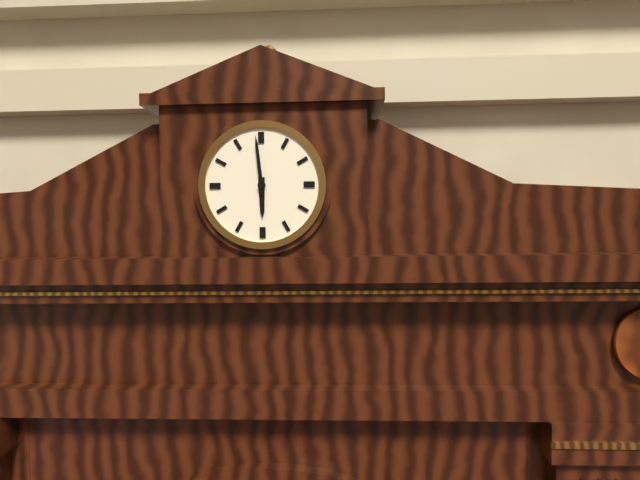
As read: h=5 m=59
